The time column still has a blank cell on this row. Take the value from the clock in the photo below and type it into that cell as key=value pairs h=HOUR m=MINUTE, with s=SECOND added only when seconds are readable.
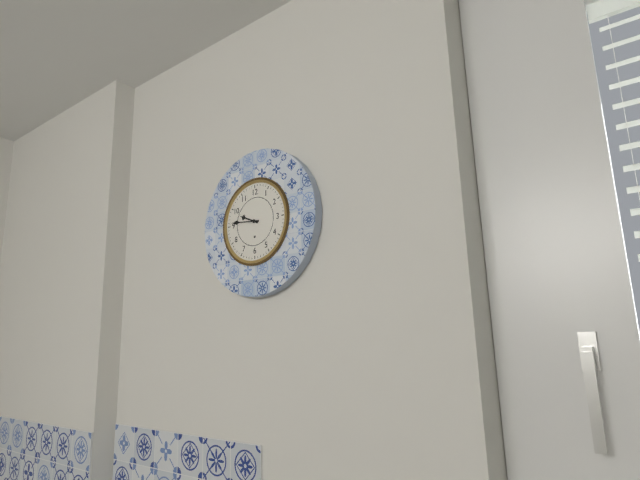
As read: h=9 m=46
